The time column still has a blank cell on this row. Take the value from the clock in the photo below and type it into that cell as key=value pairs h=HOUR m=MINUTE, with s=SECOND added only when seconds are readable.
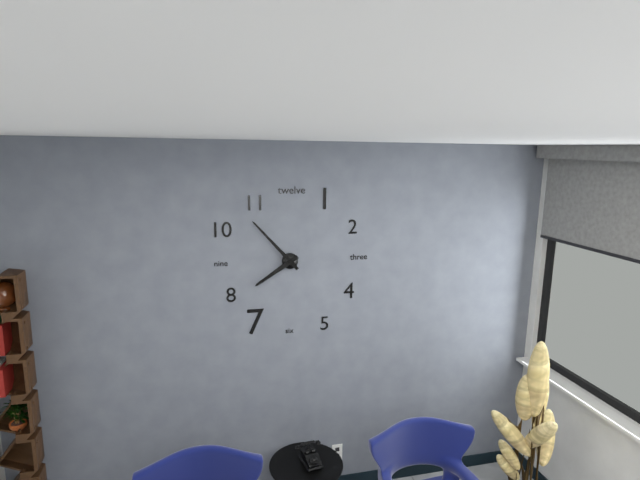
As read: h=7 m=53
